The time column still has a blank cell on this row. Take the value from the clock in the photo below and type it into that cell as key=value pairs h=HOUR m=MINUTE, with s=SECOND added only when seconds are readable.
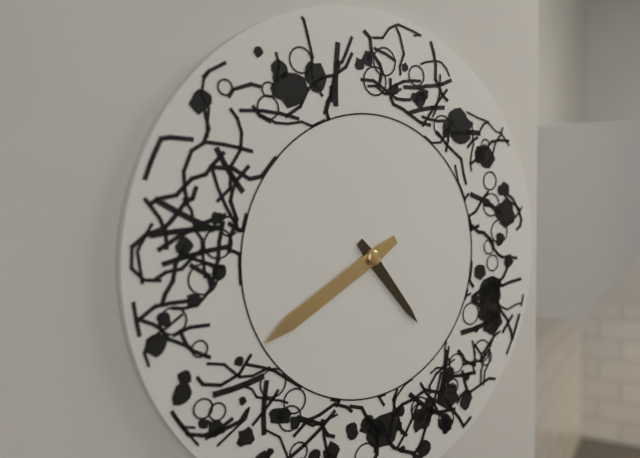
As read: h=4 m=40
